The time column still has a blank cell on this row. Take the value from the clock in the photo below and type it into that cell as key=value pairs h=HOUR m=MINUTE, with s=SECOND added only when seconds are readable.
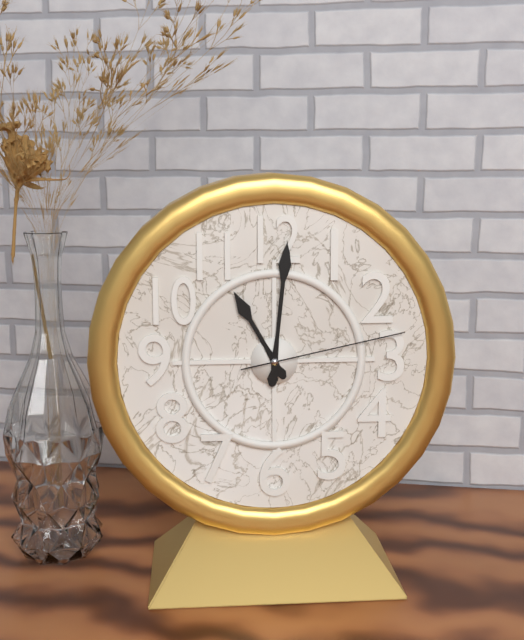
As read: h=11 m=1 s=13
